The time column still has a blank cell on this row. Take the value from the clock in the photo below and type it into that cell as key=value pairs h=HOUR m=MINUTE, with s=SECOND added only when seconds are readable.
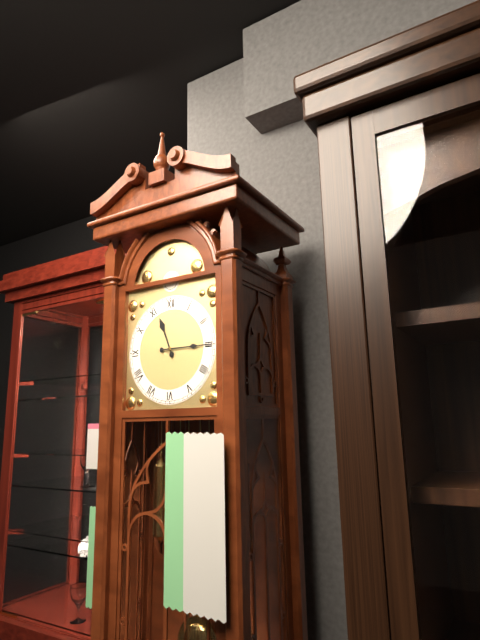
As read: h=11 m=15
